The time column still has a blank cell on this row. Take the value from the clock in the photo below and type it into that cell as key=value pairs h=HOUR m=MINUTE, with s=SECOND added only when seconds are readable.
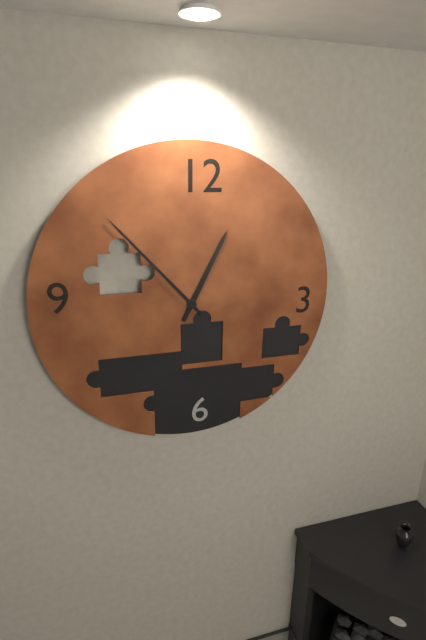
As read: h=12 m=53
